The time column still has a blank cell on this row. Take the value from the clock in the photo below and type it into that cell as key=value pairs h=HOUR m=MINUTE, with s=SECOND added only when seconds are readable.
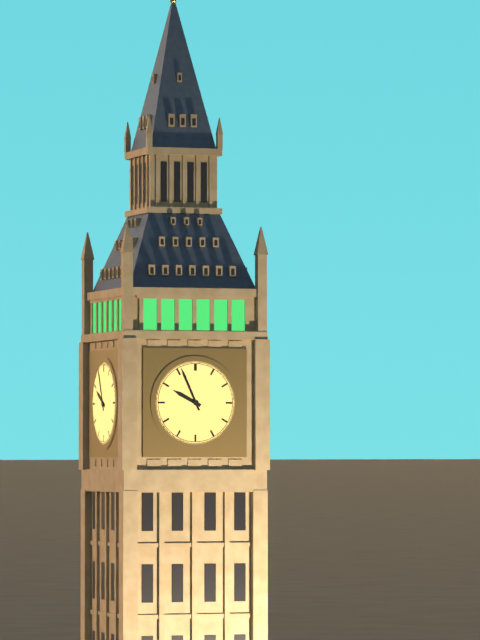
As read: h=9 m=56
